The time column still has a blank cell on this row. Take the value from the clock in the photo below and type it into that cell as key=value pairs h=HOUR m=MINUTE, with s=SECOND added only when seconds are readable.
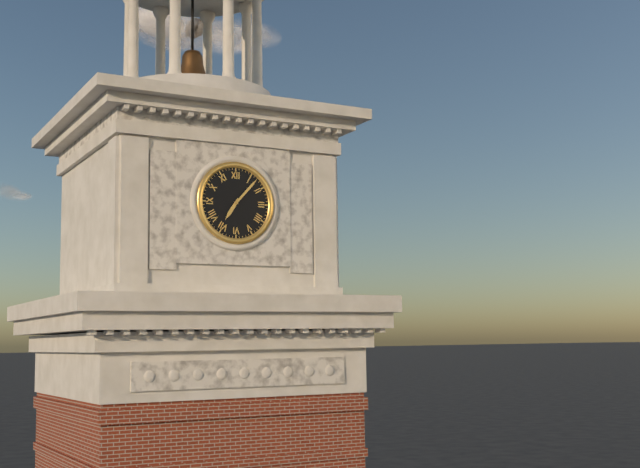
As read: h=7 m=7
